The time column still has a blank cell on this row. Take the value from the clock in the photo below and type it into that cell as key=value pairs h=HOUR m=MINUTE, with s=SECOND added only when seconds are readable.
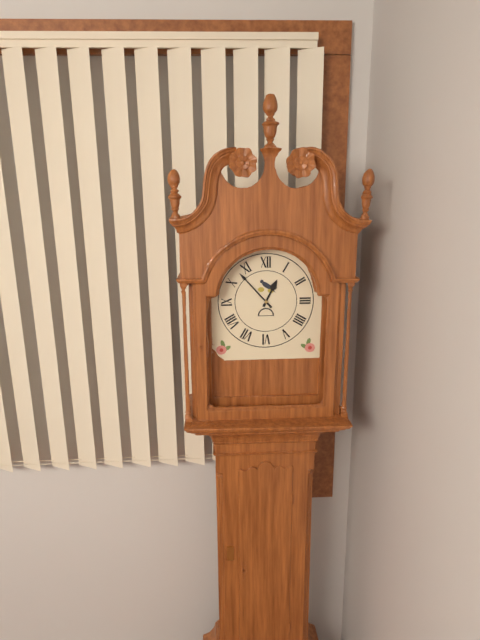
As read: h=12 m=53
